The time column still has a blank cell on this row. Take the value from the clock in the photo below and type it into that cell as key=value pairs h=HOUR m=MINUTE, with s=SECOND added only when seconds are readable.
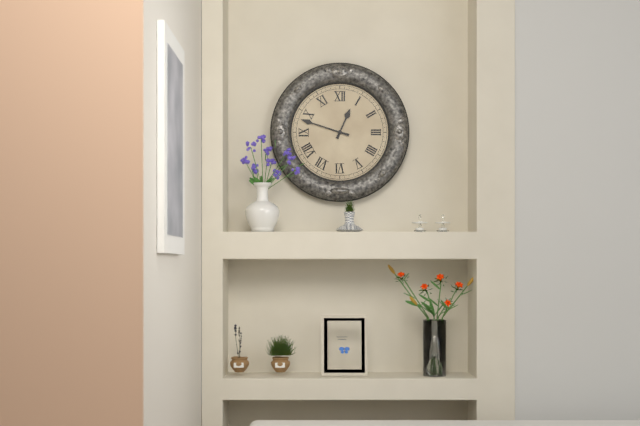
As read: h=12 m=48
